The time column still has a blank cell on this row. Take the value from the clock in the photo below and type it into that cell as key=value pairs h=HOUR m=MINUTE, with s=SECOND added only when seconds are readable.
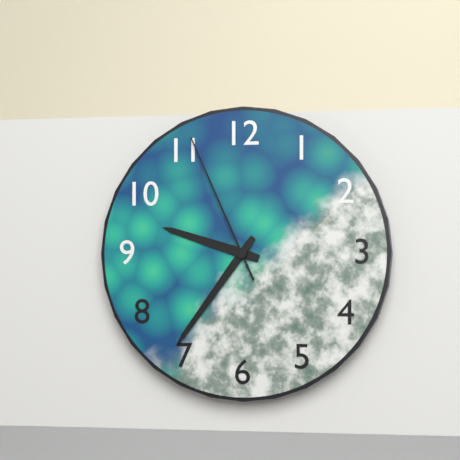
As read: h=9 m=36 s=56
